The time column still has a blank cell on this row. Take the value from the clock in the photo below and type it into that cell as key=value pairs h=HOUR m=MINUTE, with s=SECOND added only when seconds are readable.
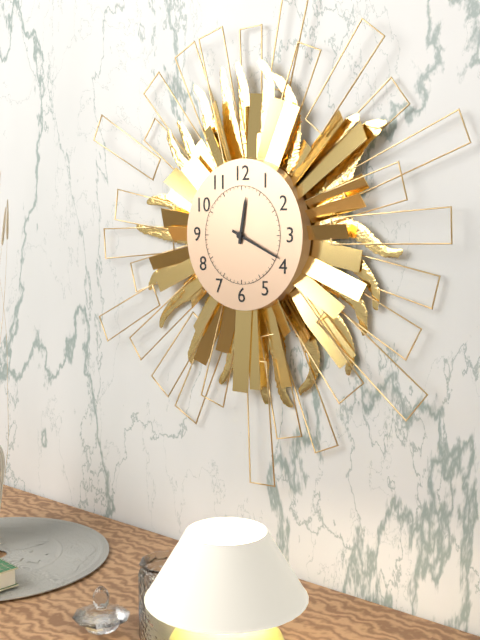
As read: h=12 m=19
